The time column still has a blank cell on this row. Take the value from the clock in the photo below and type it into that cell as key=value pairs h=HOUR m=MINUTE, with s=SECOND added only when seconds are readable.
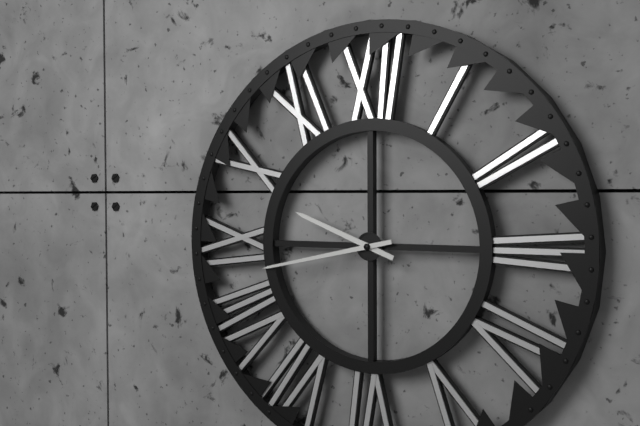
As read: h=9 m=43
